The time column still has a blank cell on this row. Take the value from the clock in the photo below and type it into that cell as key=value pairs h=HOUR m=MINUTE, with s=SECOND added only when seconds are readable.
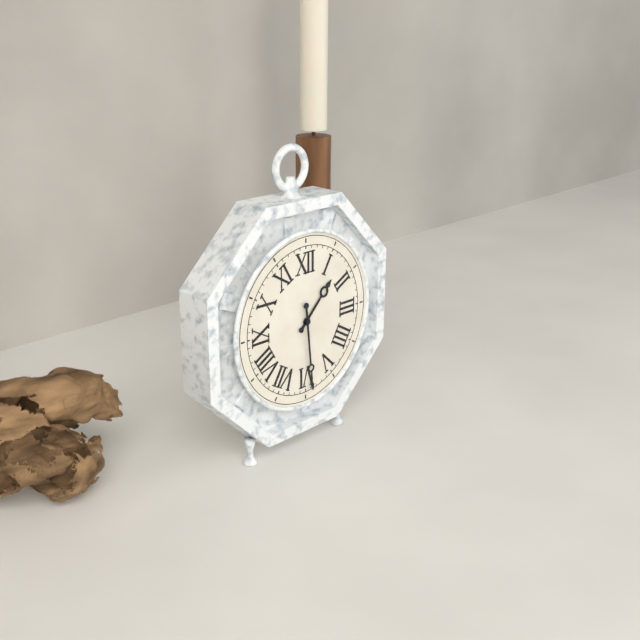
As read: h=1 m=29
